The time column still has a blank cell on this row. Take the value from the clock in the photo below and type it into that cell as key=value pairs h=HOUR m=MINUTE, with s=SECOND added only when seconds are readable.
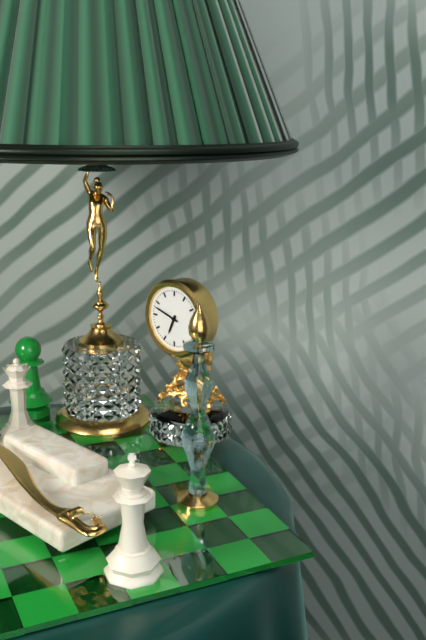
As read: h=6 m=48
